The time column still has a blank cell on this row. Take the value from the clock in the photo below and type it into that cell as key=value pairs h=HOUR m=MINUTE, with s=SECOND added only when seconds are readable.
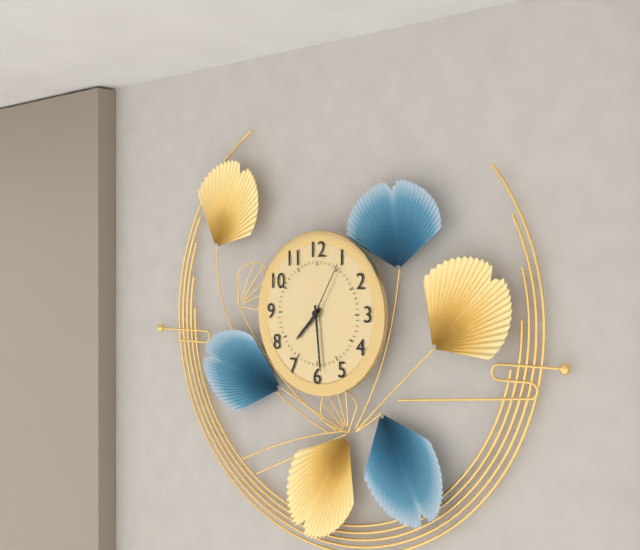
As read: h=7 m=29 s=5
